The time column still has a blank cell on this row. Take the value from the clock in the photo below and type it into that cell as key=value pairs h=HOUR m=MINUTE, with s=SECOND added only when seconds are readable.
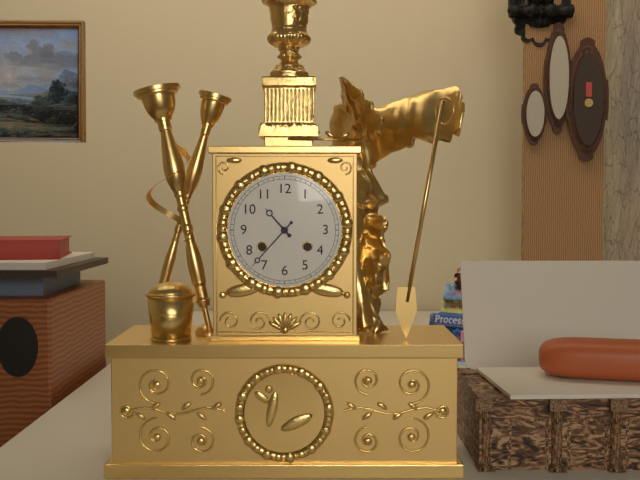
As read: h=10 m=37
